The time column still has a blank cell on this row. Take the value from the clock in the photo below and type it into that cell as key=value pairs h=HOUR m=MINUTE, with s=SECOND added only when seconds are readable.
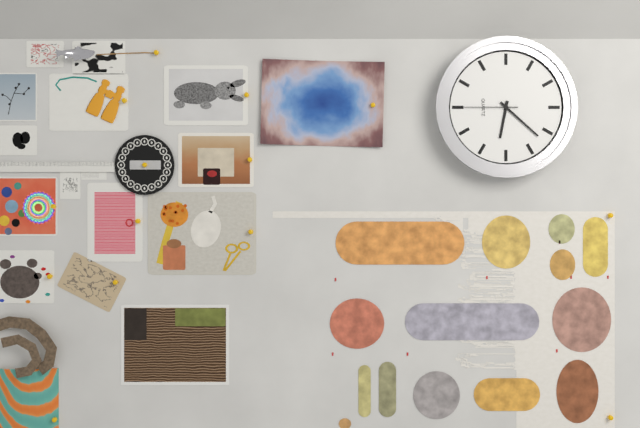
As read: h=6 m=22 s=45
